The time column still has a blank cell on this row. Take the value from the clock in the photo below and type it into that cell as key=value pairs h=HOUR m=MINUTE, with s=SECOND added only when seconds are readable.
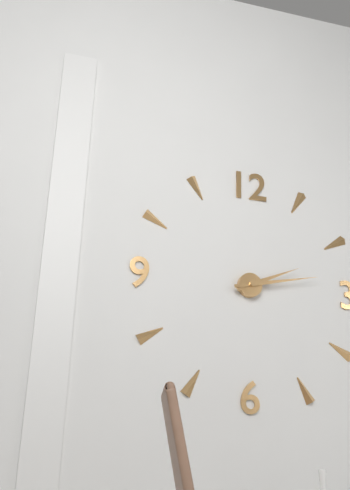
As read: h=2 m=13
